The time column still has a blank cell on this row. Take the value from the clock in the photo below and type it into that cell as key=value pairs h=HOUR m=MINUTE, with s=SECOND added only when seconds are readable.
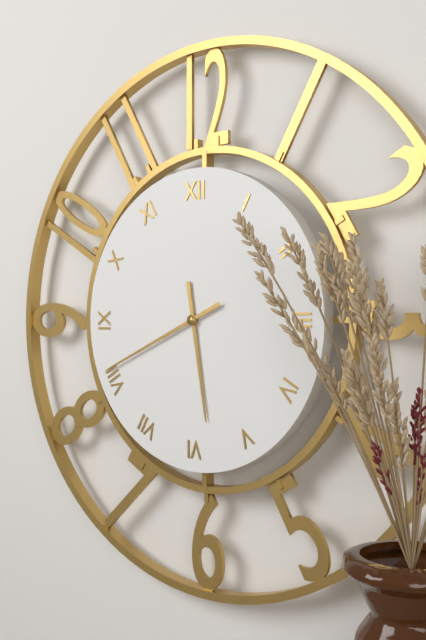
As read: h=5 m=41
